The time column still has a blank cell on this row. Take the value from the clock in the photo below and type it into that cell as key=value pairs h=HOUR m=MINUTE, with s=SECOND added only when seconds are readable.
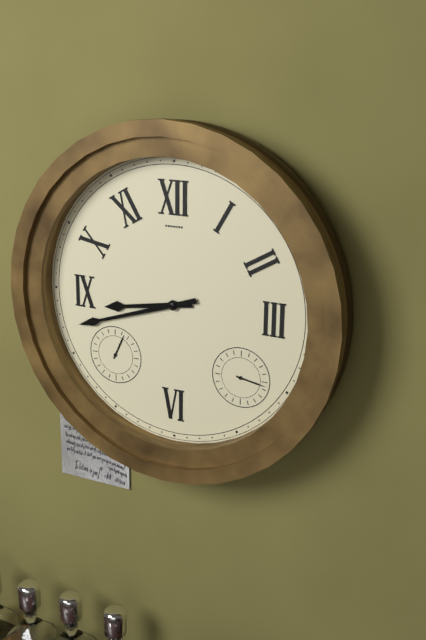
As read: h=8 m=42
